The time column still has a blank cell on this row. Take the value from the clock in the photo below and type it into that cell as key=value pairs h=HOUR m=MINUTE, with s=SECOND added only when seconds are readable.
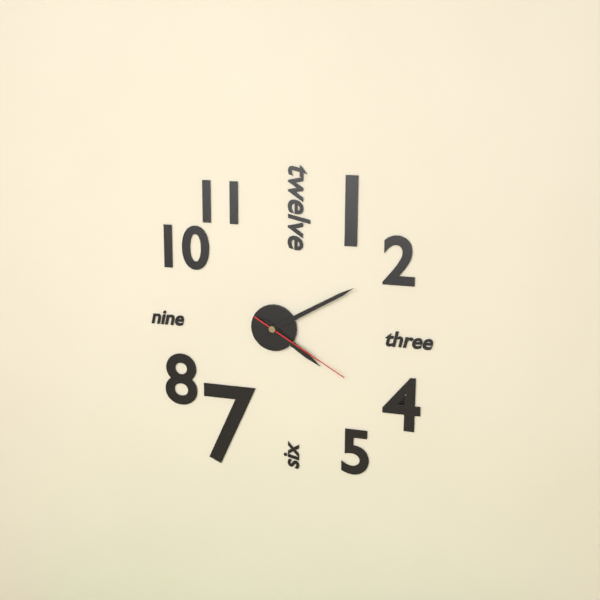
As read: h=4 m=10 s=20
